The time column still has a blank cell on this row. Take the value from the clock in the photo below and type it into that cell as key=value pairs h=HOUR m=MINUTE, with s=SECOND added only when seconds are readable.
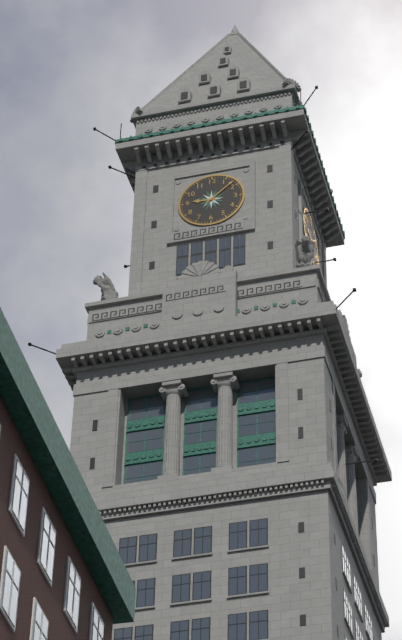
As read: h=9 m=8
